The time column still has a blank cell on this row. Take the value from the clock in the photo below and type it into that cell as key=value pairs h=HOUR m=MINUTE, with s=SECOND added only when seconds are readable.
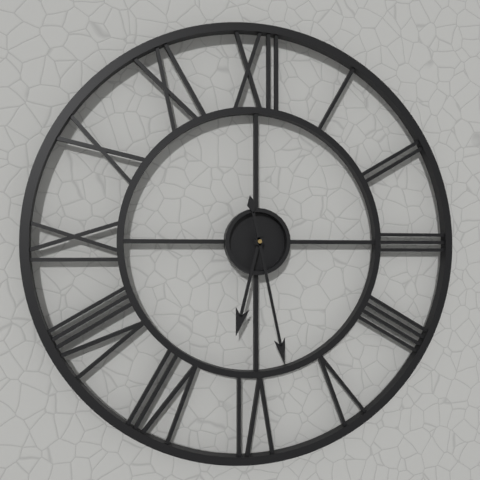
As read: h=6 m=28
